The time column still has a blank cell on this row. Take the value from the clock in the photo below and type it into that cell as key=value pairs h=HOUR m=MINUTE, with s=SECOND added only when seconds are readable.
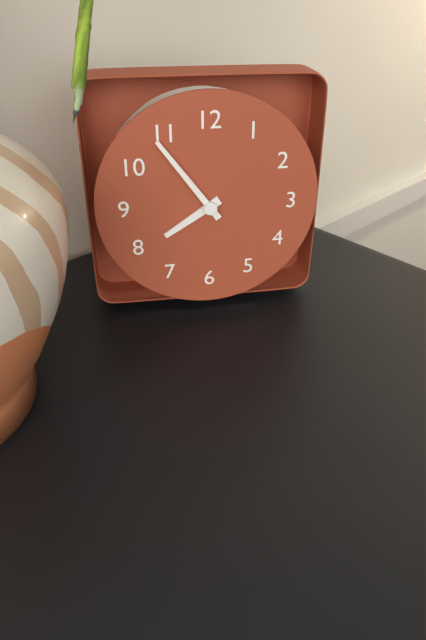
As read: h=7 m=54
